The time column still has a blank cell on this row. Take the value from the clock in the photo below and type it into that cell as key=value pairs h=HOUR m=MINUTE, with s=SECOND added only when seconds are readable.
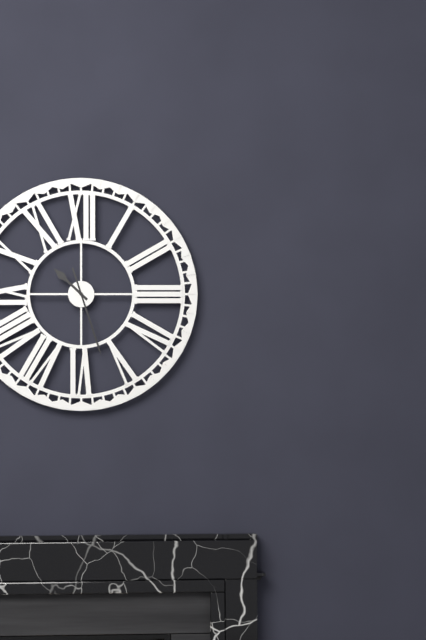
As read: h=10 m=27
